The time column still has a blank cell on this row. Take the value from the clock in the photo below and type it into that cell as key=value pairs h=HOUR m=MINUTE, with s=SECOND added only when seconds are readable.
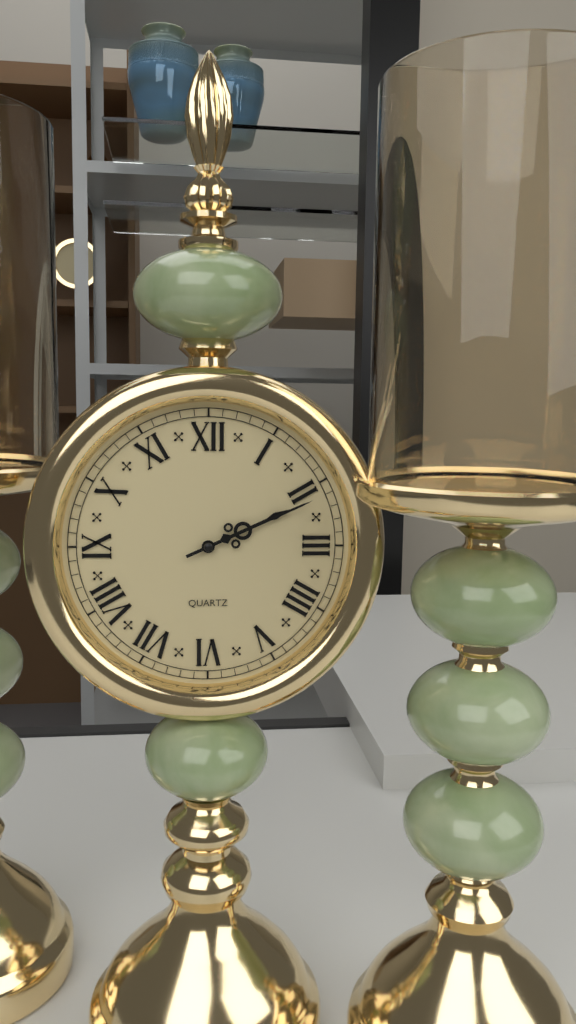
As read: h=2 m=11
